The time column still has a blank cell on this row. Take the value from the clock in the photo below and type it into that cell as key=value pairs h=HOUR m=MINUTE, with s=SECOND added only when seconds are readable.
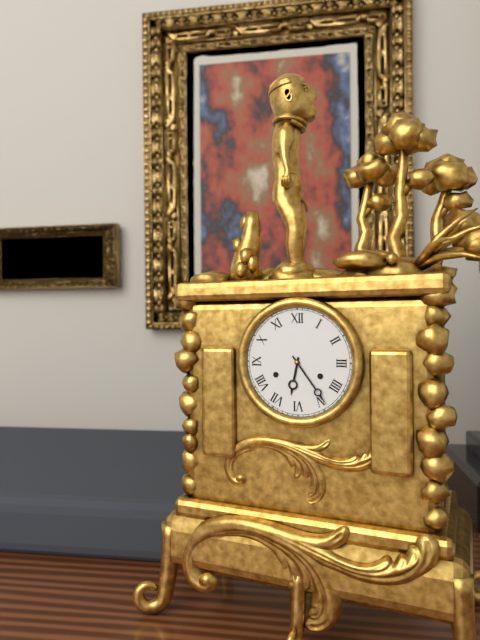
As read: h=6 m=24
